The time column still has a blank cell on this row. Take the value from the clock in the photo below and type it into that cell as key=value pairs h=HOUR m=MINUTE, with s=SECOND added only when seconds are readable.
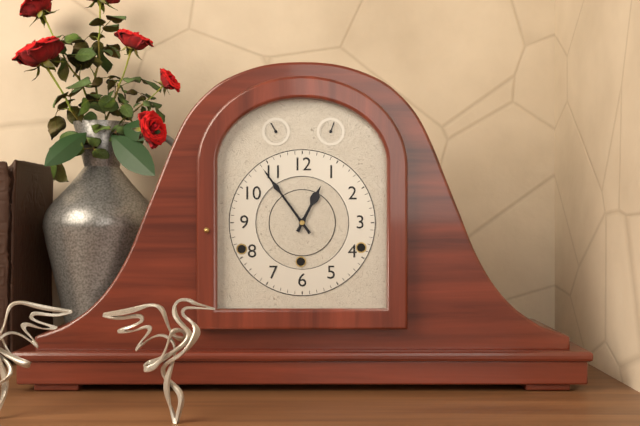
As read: h=12 m=54
